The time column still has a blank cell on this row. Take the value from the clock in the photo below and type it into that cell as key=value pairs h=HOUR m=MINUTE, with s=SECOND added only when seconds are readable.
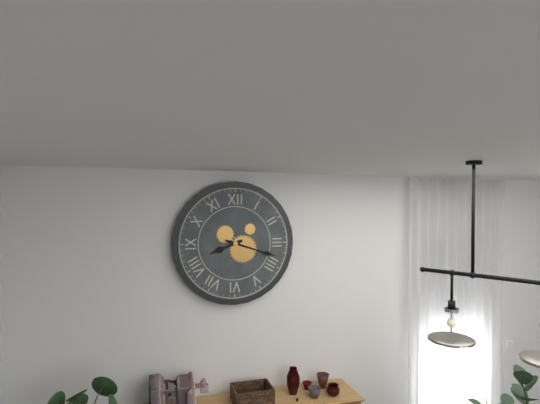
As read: h=8 m=18
